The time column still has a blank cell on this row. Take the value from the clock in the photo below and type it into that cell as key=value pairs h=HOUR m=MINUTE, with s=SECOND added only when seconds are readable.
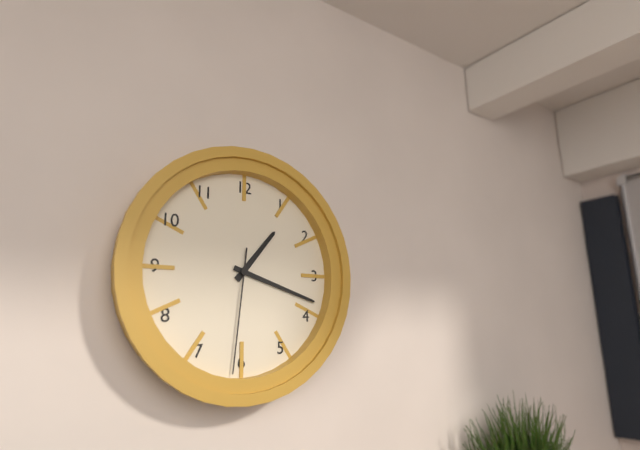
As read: h=1 m=18 s=31
